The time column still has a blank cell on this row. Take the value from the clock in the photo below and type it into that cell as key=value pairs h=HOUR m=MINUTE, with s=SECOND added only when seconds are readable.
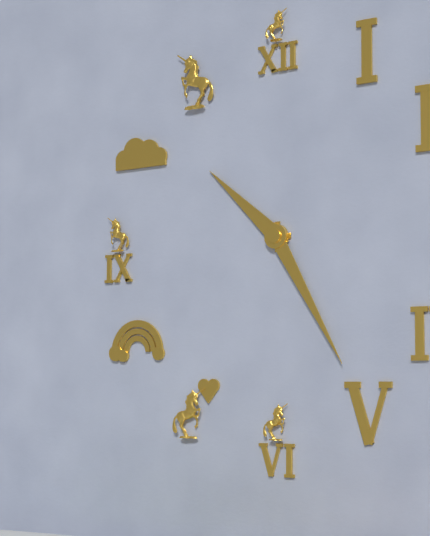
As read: h=10 m=25
